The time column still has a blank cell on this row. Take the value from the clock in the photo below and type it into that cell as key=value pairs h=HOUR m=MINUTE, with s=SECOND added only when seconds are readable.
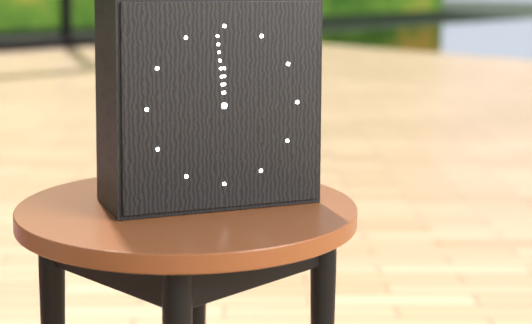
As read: h=11 m=59
